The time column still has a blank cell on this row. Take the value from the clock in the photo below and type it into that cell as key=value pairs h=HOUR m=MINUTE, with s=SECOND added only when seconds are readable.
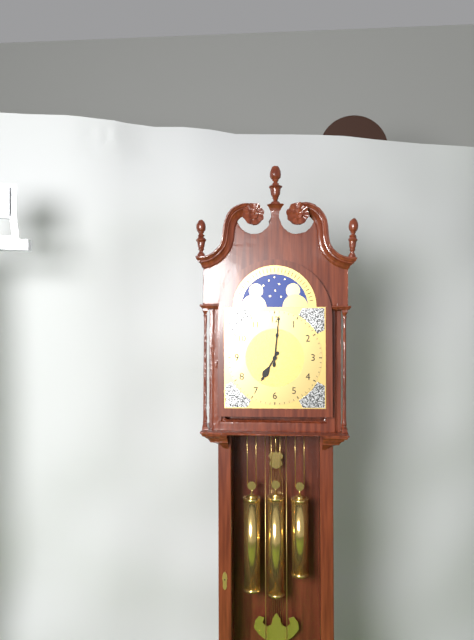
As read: h=7 m=1
